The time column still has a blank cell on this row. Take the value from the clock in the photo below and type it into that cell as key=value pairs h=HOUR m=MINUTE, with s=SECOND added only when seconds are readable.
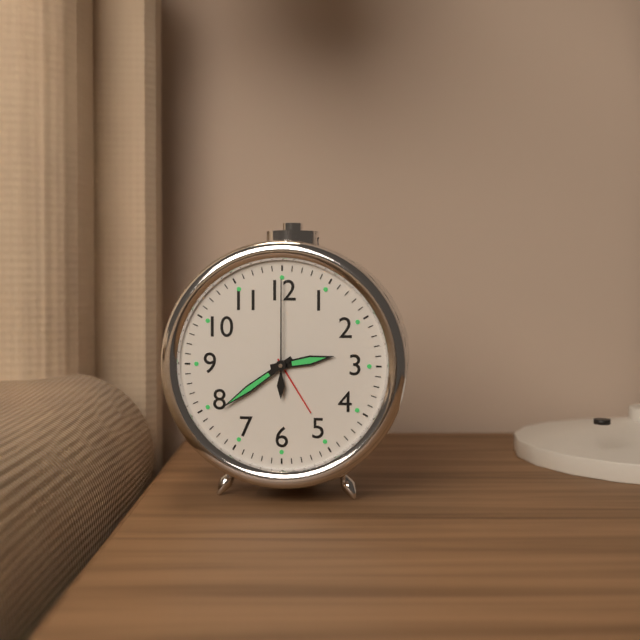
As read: h=2 m=39 s=0
